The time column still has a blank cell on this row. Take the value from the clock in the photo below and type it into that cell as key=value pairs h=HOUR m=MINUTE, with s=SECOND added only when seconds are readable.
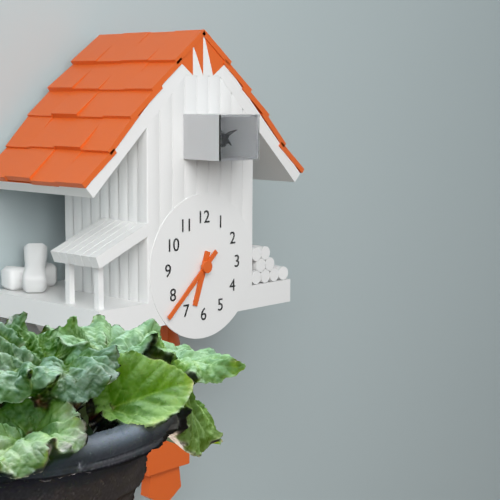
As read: h=6 m=38
